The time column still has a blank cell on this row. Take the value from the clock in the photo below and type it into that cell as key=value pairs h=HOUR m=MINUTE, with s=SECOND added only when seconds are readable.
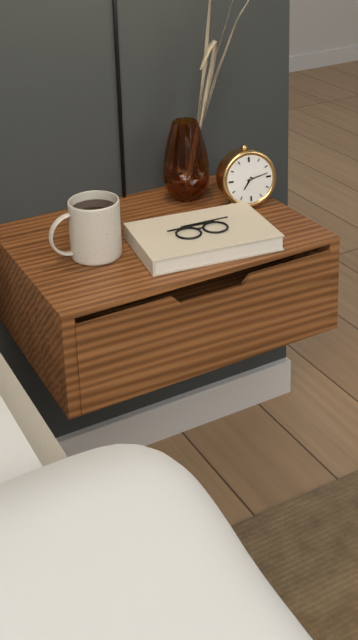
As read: h=7 m=13
